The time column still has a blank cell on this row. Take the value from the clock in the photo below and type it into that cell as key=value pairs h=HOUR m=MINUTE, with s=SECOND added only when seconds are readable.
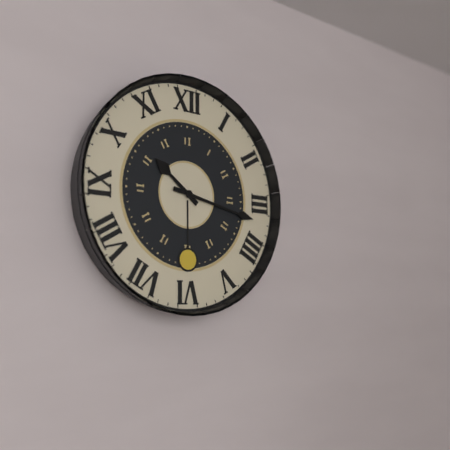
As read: h=10 m=17
